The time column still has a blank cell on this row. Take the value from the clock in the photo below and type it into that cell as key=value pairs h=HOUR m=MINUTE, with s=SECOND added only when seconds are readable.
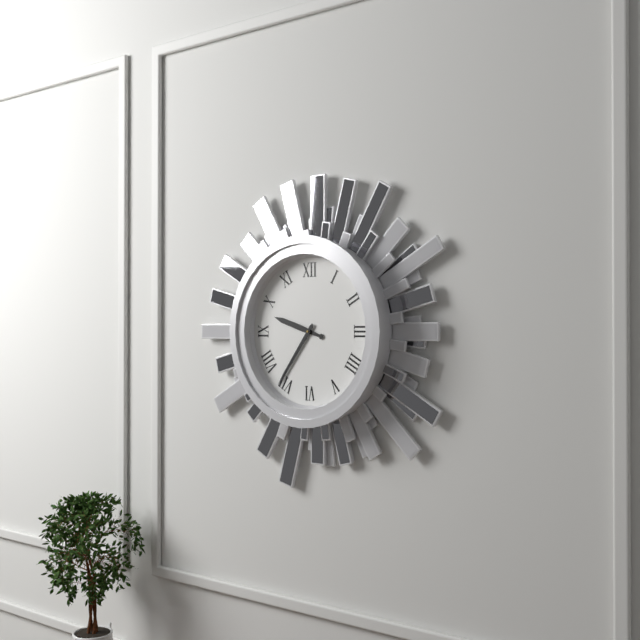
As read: h=9 m=36
